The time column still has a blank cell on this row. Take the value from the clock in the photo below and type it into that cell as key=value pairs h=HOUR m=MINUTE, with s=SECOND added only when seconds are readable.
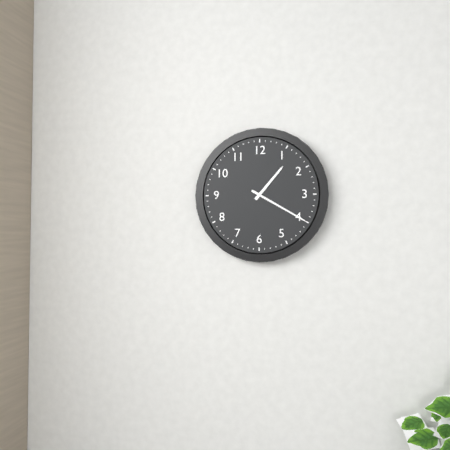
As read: h=1 m=20
